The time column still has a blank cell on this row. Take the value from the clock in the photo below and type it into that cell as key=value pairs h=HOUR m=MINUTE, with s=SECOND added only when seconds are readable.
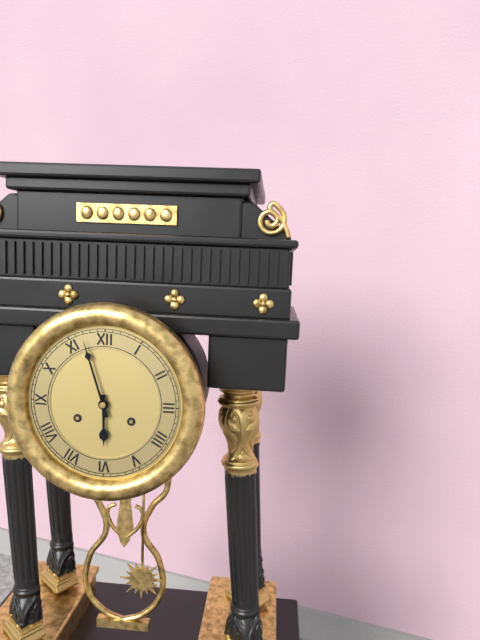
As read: h=5 m=57
